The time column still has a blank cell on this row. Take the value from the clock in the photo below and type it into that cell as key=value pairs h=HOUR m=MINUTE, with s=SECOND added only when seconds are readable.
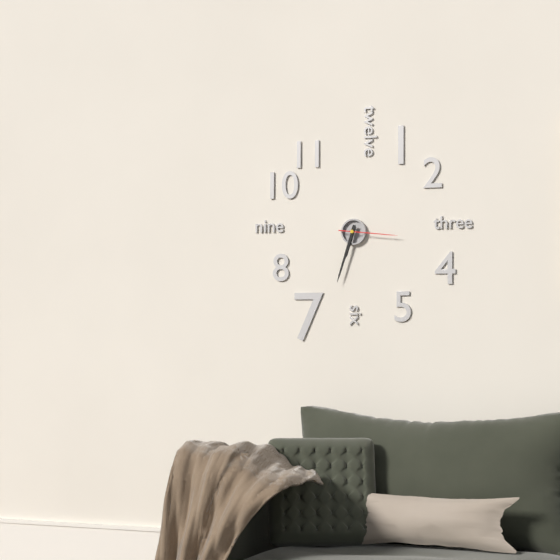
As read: h=6 m=33 s=16
